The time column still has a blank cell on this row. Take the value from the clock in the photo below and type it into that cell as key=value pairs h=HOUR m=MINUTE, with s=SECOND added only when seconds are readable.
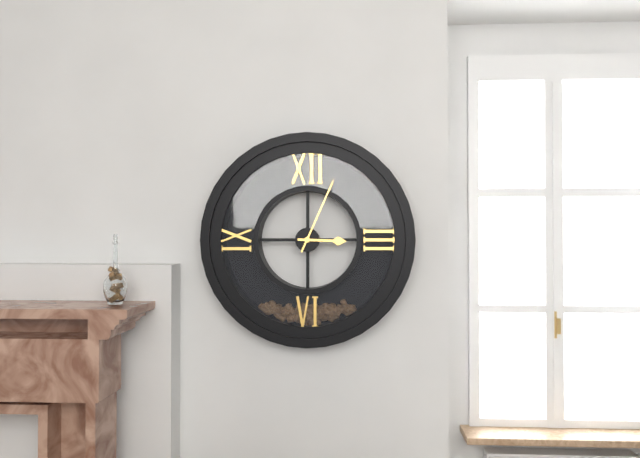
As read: h=3 m=4
